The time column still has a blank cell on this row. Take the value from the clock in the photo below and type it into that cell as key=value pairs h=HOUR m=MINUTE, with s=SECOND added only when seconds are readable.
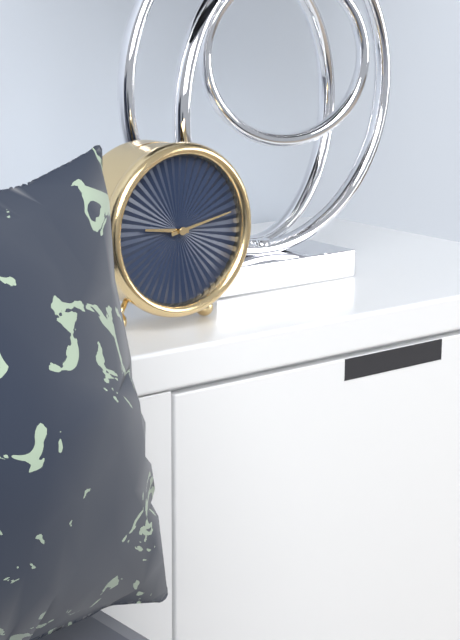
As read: h=9 m=13
